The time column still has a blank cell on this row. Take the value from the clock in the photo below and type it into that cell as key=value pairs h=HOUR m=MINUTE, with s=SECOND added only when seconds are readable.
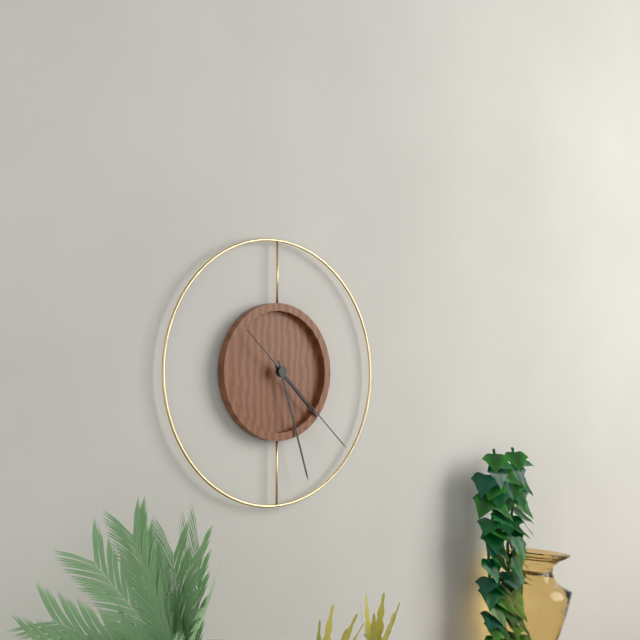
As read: h=4 m=27 s=22
